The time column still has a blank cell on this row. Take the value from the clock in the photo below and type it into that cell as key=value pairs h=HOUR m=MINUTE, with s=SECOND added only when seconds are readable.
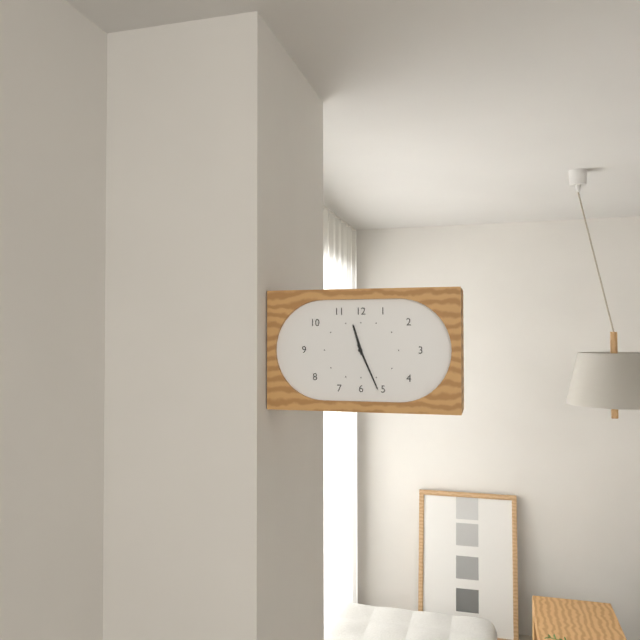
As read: h=11 m=26
